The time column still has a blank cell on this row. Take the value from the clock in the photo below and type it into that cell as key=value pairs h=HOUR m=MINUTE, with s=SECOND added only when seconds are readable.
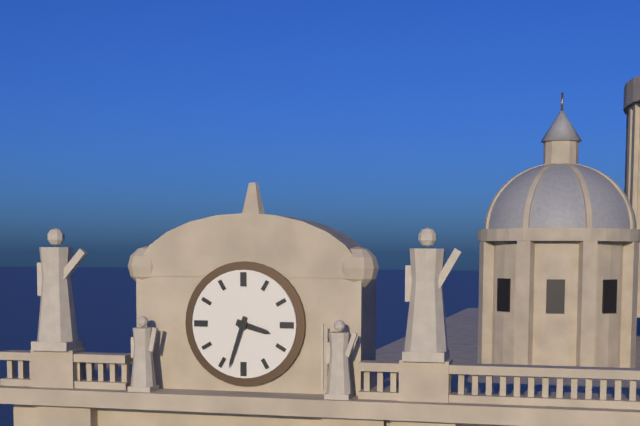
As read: h=3 m=33
